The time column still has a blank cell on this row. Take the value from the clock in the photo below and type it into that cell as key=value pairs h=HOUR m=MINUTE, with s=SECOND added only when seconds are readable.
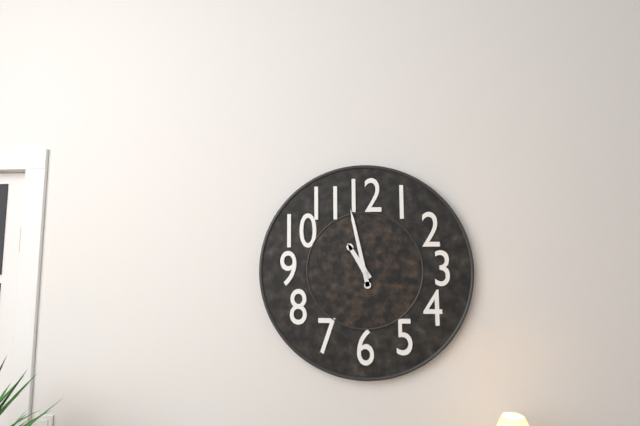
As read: h=10 m=58
